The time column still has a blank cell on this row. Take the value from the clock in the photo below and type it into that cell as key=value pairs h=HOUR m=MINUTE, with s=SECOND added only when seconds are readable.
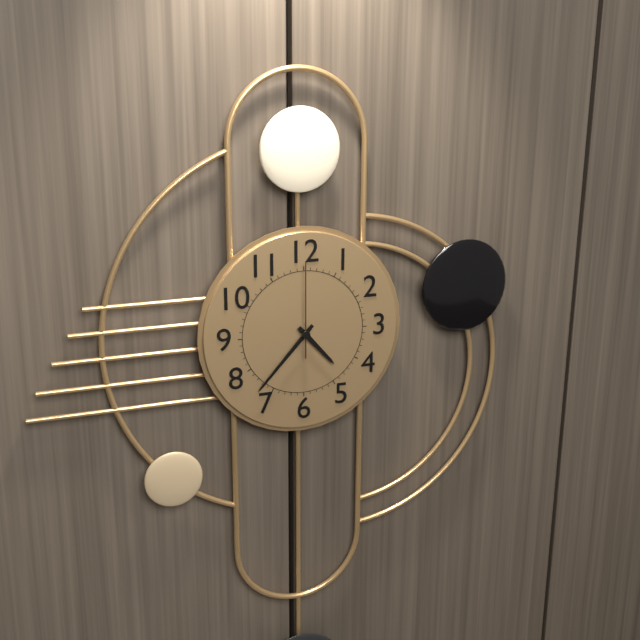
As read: h=4 m=37 s=0
